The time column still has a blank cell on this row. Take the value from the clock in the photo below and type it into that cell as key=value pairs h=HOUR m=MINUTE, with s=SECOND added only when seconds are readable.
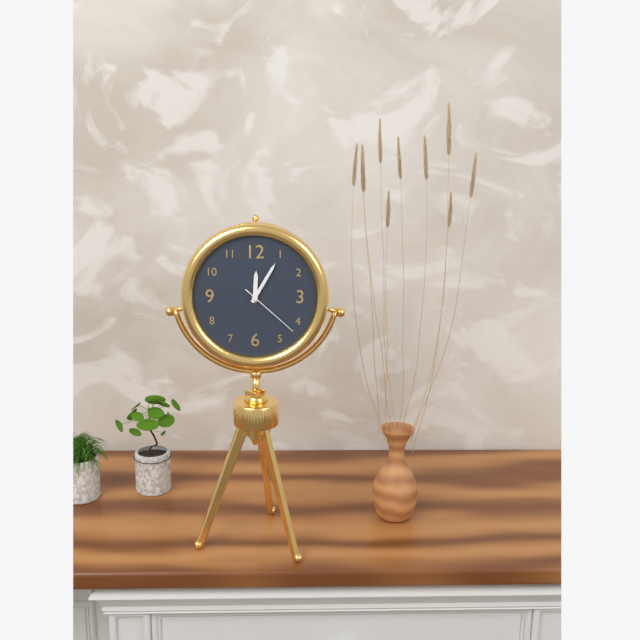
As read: h=12 m=5 s=22
